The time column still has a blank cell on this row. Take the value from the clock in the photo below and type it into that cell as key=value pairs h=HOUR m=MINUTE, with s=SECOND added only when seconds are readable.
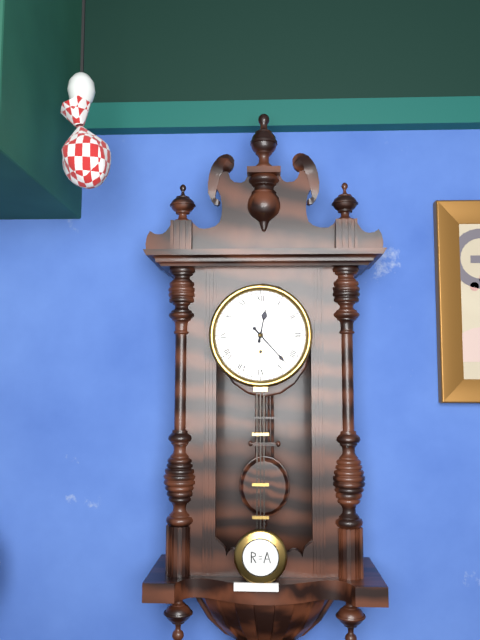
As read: h=12 m=23
